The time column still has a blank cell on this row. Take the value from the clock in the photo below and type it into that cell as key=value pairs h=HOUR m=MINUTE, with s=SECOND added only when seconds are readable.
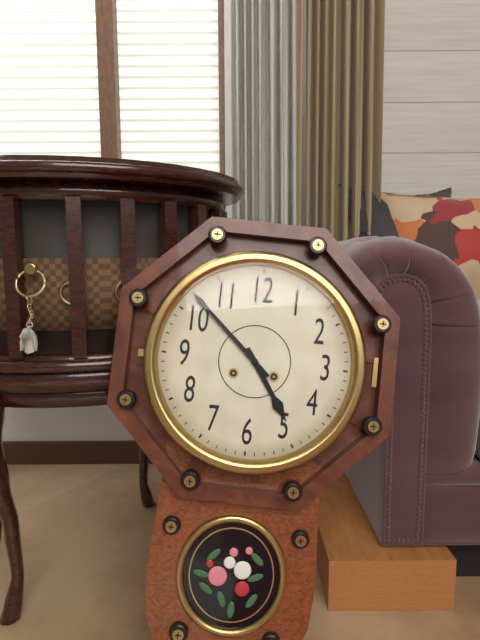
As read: h=4 m=52
